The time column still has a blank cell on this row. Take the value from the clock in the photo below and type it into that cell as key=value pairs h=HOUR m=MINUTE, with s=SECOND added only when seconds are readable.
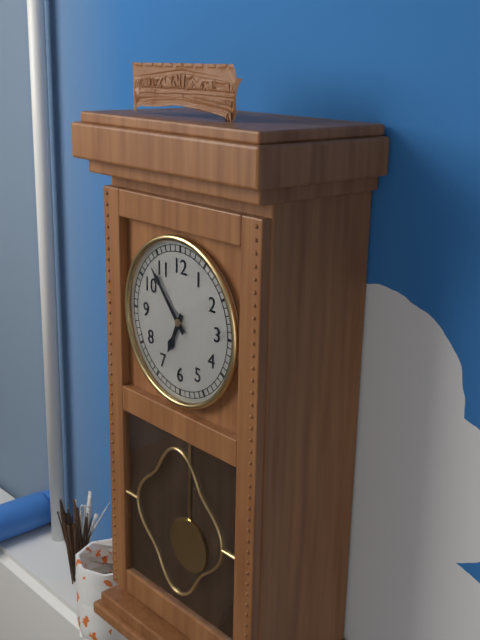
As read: h=6 m=53
